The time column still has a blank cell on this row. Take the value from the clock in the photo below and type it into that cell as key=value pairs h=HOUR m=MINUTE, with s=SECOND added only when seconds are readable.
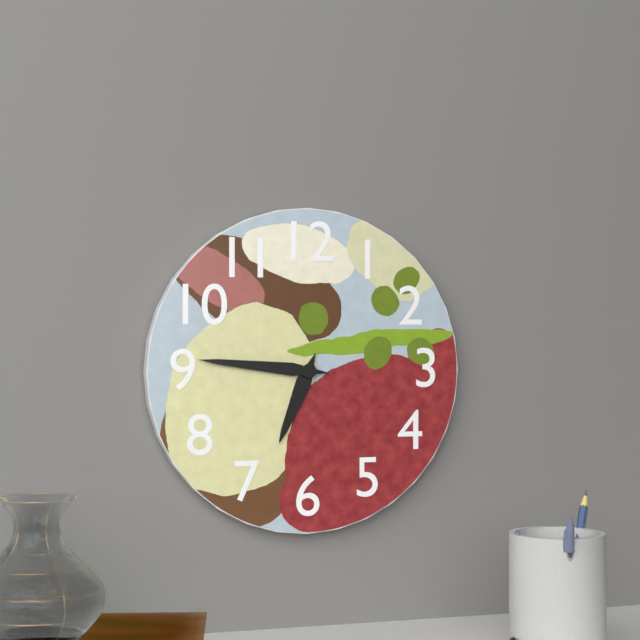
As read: h=6 m=46
